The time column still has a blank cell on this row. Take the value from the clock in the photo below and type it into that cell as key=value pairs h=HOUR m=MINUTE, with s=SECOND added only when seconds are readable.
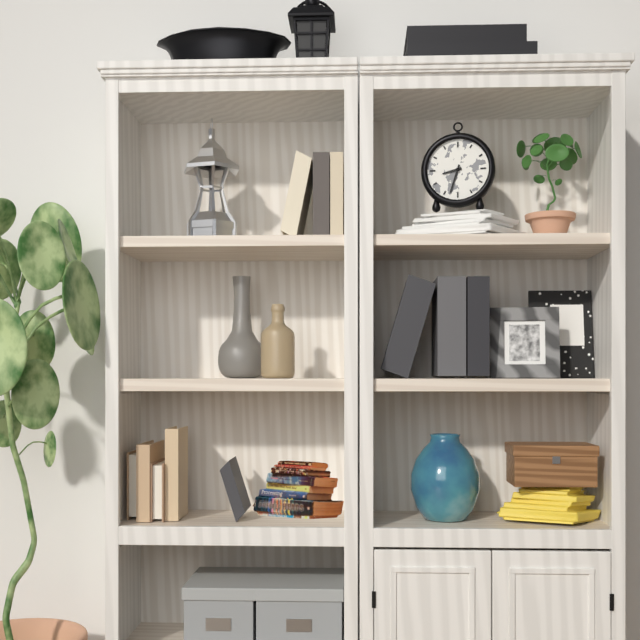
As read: h=8 m=33
